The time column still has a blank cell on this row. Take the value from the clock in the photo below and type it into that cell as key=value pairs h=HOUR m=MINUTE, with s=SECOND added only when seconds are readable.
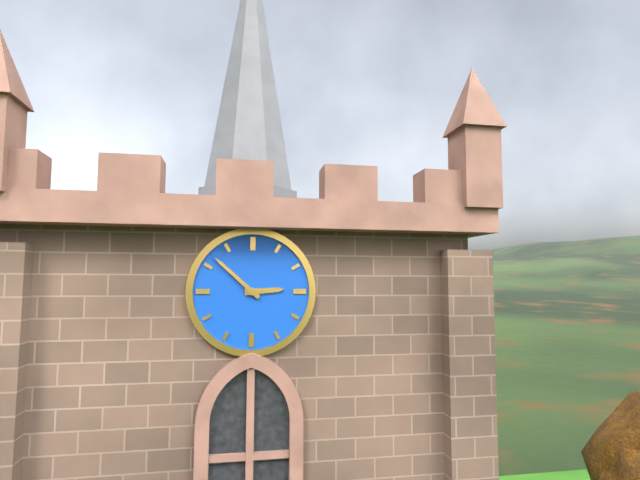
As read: h=2 m=52
